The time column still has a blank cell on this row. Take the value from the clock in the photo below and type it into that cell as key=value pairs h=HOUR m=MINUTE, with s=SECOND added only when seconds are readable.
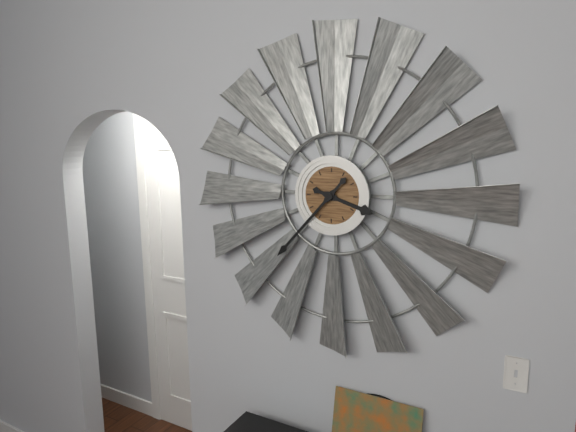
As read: h=3 m=37
